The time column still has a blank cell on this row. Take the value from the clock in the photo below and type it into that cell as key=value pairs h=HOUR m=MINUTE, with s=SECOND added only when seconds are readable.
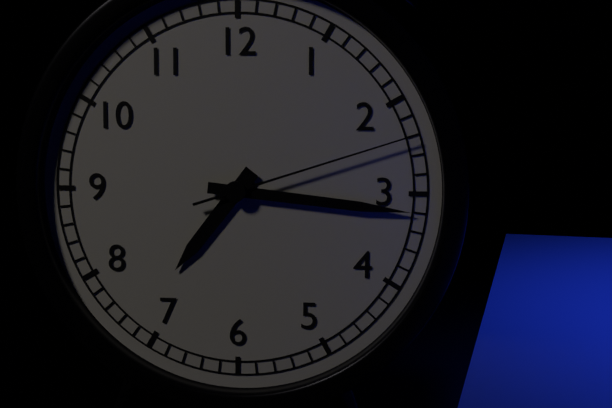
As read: h=7 m=16 s=12
